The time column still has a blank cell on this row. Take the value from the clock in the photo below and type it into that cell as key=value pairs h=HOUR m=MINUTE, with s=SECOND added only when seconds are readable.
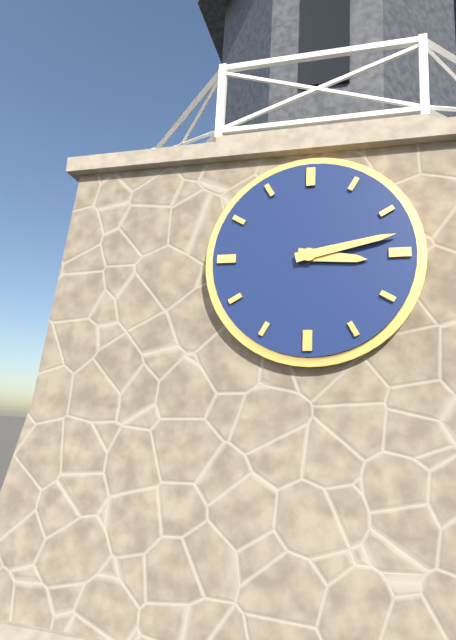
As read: h=3 m=13
